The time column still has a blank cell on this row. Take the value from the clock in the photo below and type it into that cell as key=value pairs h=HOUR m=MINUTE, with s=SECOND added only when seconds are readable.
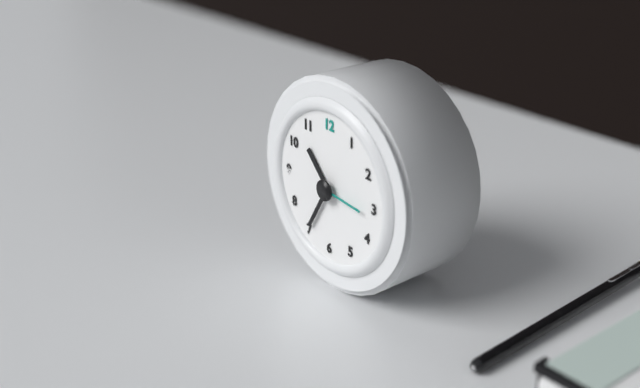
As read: h=10 m=35
